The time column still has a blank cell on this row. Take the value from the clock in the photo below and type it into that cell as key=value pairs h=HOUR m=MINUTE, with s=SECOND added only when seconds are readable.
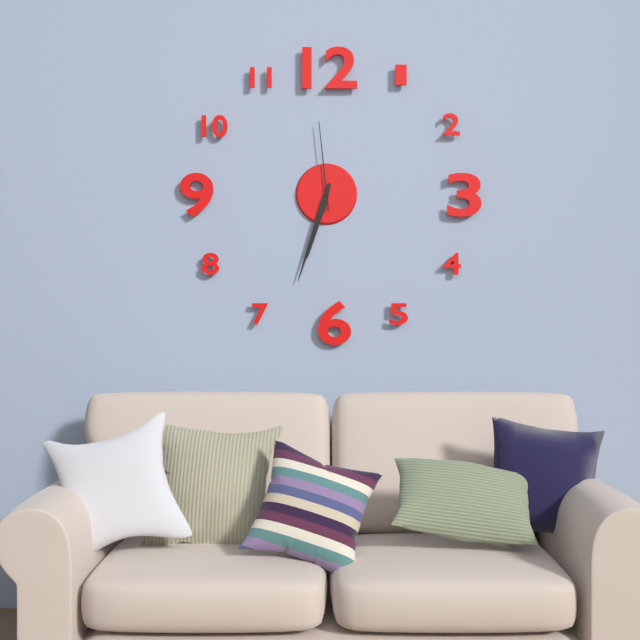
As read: h=6 m=33 s=59
